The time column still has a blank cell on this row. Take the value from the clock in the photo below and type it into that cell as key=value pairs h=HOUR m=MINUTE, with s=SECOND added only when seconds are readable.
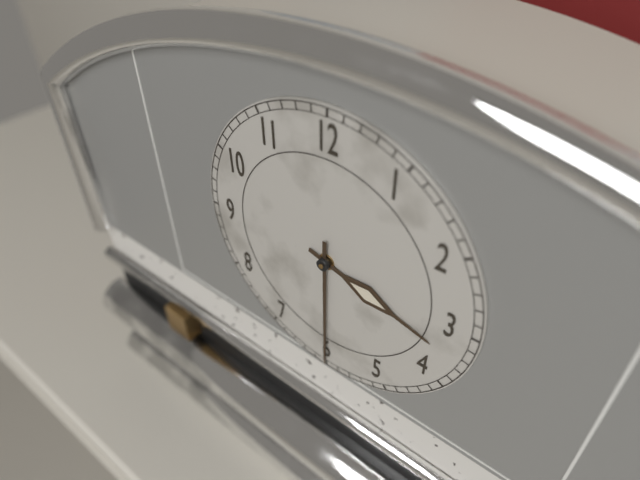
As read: h=3 m=30
